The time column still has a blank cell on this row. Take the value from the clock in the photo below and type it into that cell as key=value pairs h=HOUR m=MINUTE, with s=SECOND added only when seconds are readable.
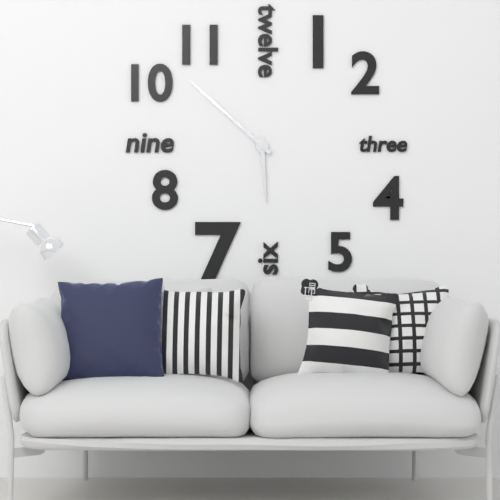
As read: h=5 m=52
